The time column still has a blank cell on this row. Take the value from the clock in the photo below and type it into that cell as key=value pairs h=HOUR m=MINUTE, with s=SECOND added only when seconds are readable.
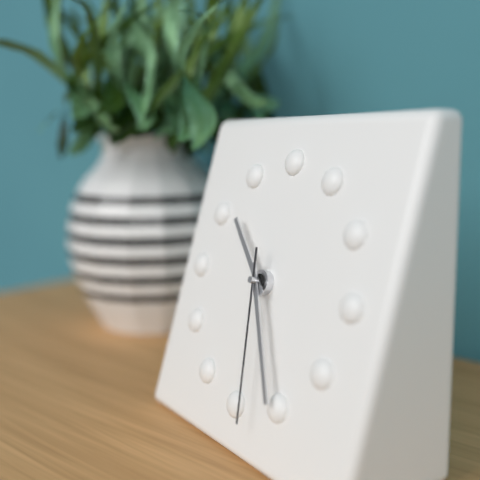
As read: h=10 m=25 s=28
